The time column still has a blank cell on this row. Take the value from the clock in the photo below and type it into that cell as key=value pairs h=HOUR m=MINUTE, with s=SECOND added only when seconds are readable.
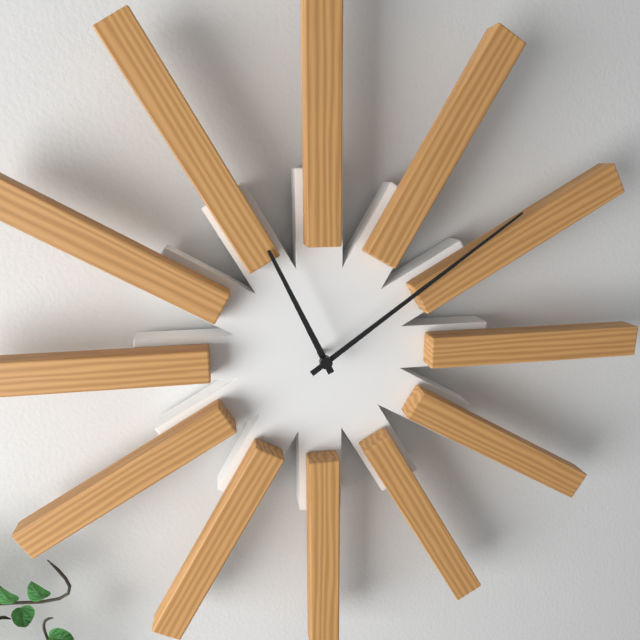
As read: h=11 m=9
